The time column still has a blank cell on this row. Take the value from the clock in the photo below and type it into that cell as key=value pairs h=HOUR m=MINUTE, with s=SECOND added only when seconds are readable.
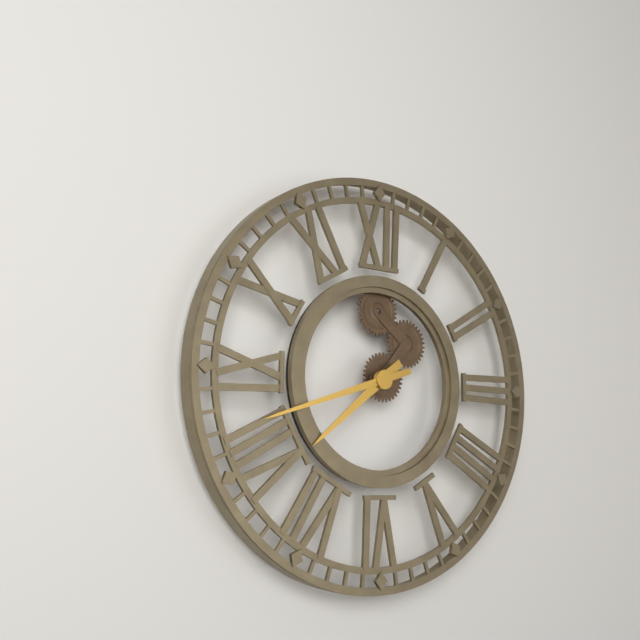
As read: h=7 m=42
